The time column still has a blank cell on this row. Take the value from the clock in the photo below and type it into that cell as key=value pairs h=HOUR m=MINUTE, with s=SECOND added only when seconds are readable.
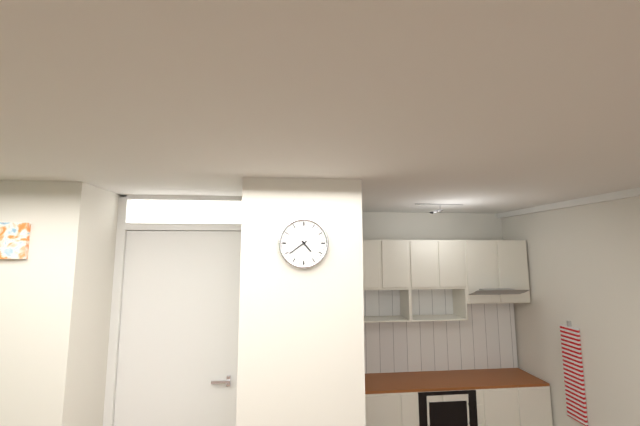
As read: h=4 m=39
